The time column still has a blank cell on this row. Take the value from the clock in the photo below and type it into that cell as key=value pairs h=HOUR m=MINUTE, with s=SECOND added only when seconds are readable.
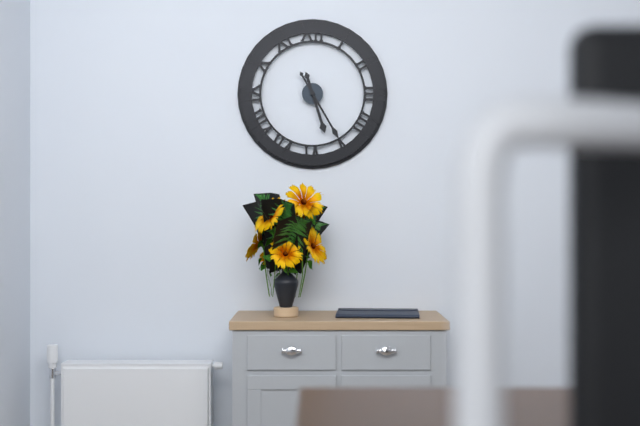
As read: h=5 m=25
